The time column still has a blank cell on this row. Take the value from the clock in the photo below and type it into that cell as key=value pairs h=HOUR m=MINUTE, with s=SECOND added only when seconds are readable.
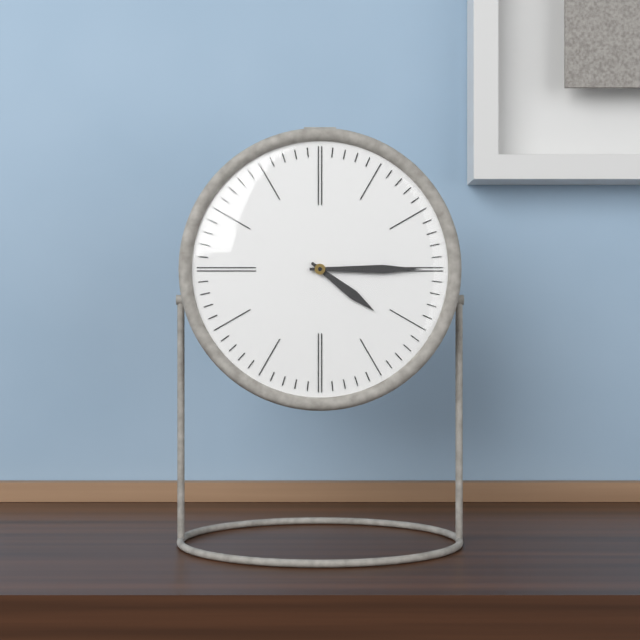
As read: h=4 m=15
